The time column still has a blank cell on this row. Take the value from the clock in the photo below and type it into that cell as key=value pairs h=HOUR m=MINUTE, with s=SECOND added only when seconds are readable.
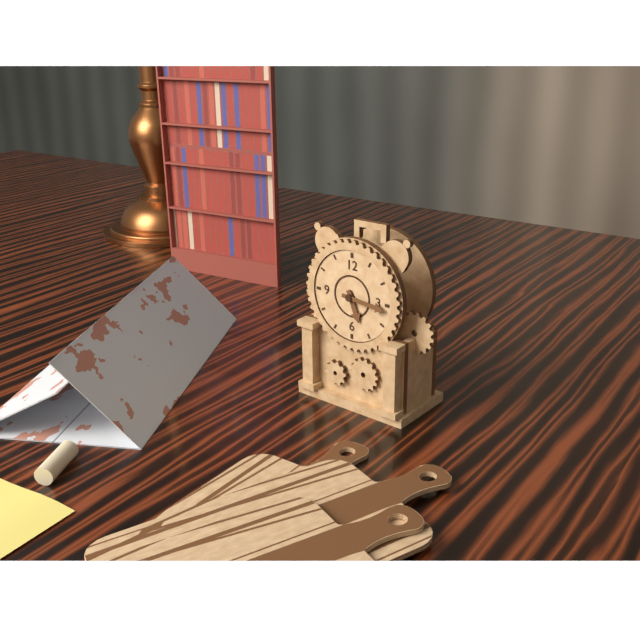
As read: h=5 m=16
